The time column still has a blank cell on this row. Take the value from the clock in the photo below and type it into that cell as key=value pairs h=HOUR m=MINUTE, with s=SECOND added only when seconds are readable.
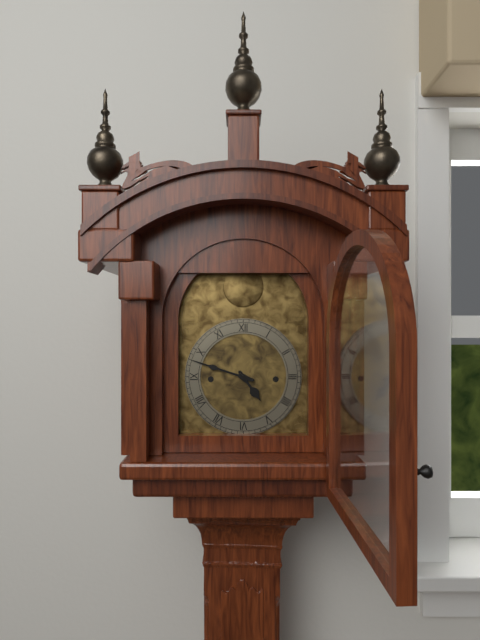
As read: h=4 m=48
